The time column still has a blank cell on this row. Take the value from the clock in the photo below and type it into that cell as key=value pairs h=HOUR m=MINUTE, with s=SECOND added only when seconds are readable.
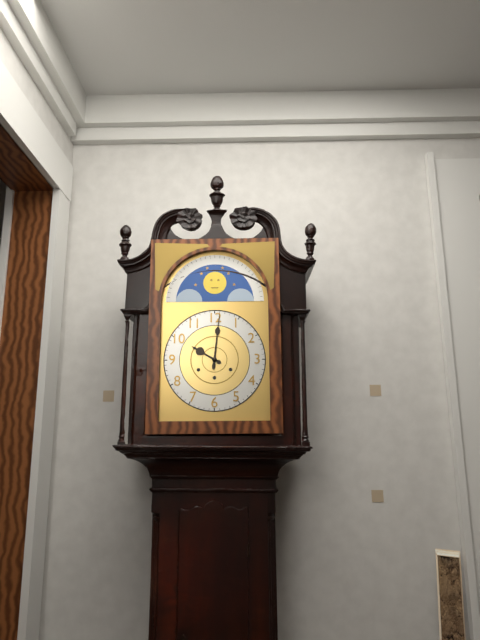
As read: h=10 m=1
